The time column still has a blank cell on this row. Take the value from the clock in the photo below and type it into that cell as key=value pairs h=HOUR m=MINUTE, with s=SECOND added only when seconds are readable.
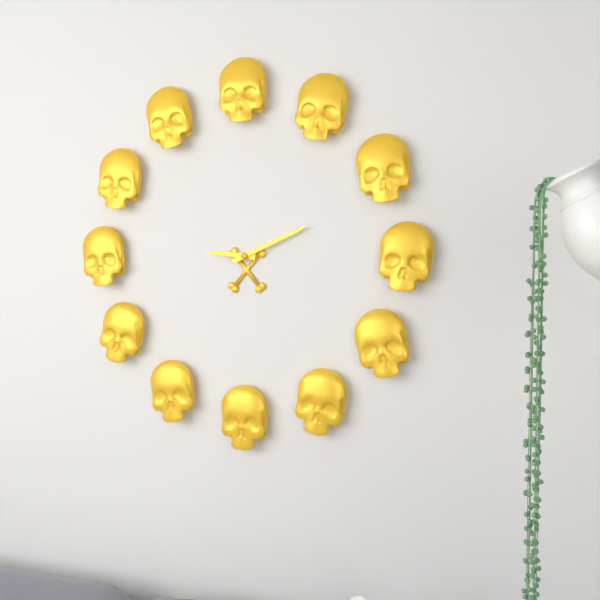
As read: h=9 m=11
